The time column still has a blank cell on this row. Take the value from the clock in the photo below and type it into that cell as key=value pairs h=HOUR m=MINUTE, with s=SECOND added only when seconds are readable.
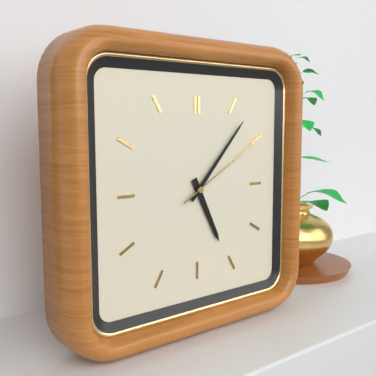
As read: h=5 m=7 s=10
